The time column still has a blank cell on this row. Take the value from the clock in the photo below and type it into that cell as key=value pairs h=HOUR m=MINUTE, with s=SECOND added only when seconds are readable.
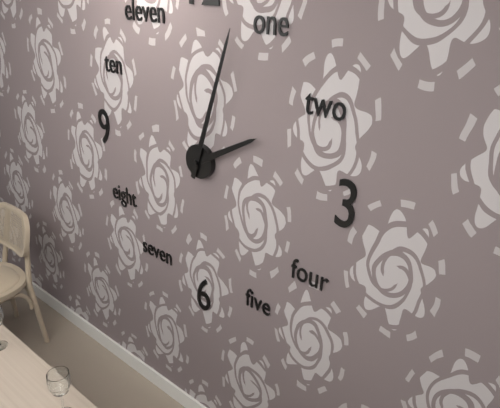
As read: h=2 m=3
